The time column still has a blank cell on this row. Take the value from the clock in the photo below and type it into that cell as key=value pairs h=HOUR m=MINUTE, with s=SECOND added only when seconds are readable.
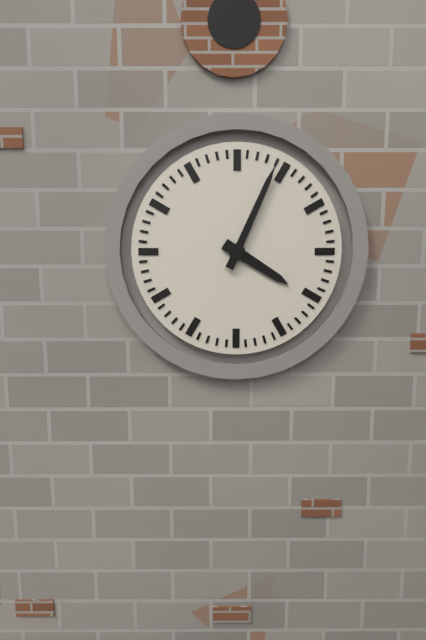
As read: h=4 m=4
